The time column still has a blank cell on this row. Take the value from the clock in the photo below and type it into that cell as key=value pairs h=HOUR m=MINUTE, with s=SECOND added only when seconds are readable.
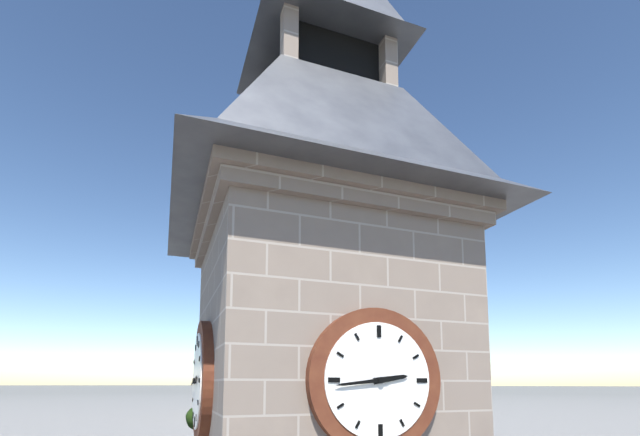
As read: h=2 m=44
